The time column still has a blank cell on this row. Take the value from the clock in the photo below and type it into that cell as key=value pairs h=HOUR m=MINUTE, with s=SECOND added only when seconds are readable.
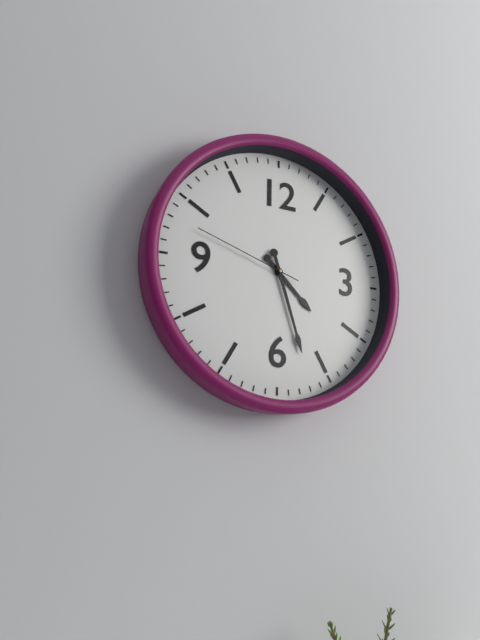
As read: h=4 m=27 s=48
